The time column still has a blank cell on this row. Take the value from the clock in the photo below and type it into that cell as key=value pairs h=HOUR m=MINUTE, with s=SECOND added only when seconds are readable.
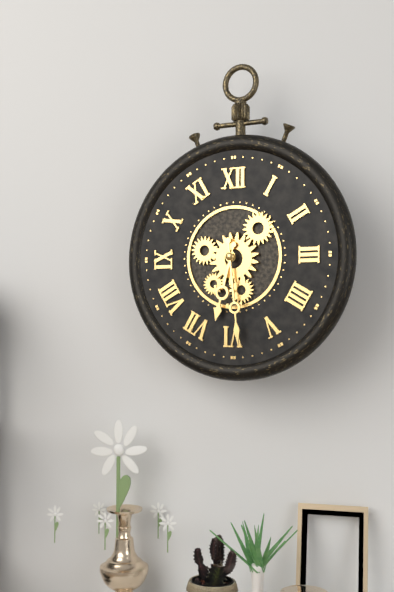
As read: h=6 m=29
